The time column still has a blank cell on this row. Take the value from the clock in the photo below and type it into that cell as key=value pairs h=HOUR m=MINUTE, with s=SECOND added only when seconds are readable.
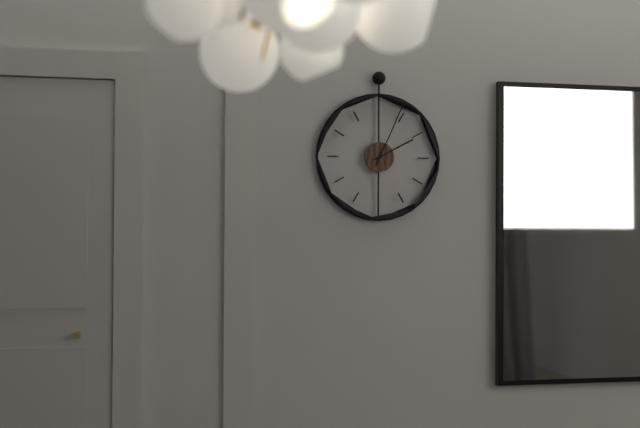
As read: h=2 m=4
